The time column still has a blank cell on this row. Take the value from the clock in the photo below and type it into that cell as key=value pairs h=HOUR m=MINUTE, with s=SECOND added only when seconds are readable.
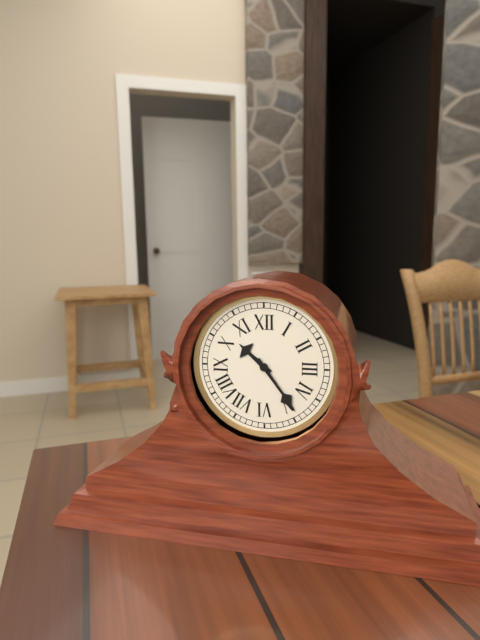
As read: h=10 m=24
